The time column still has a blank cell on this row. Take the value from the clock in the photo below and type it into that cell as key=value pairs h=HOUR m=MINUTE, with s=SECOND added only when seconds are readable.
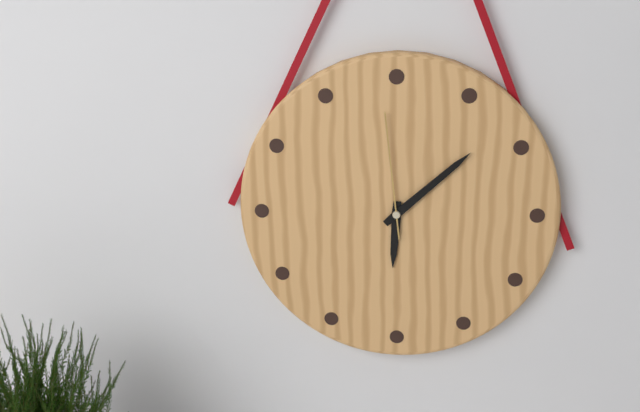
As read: h=6 m=8 s=59
